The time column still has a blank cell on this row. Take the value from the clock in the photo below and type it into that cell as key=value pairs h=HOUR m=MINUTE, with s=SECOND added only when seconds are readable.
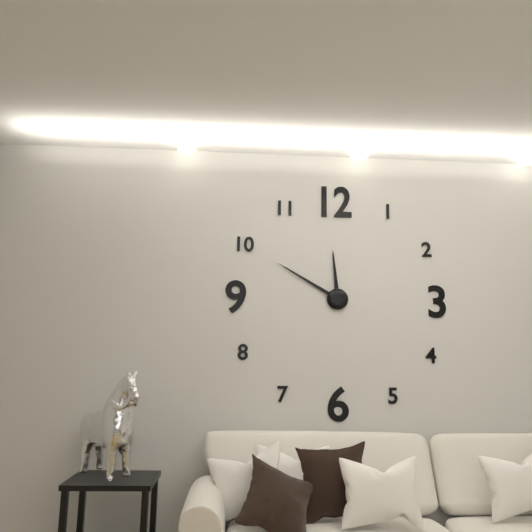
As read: h=11 m=50
